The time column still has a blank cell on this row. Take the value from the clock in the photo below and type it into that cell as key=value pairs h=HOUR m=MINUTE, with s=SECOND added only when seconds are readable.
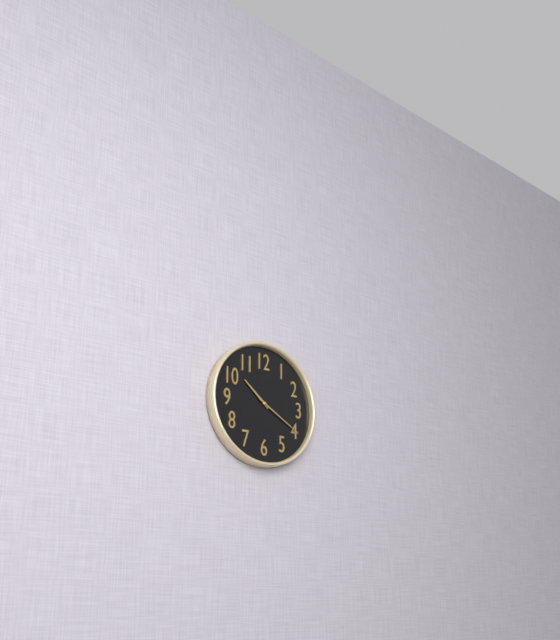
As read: h=10 m=20
